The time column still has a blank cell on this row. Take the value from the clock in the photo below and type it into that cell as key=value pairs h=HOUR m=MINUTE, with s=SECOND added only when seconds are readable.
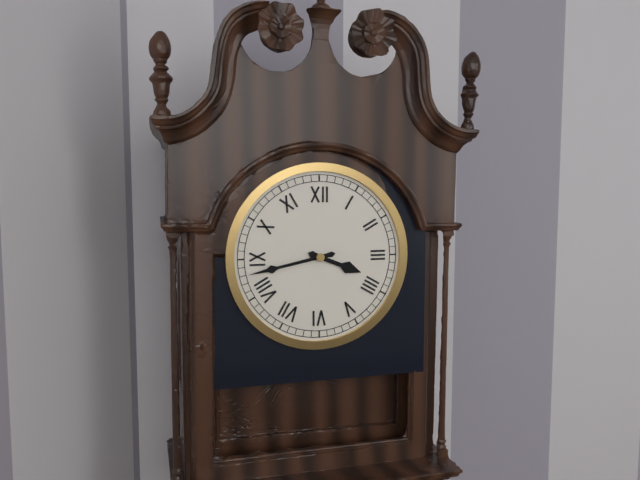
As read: h=3 m=43
